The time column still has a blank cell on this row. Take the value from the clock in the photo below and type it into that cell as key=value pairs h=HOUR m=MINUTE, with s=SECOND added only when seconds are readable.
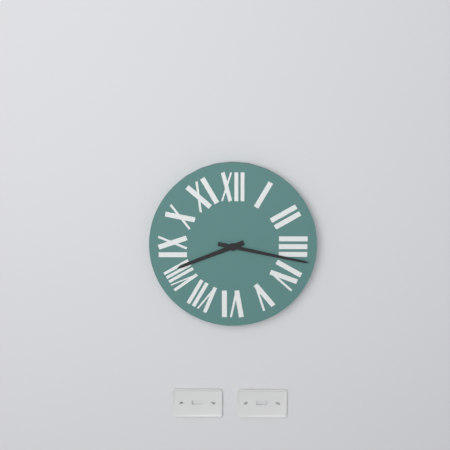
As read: h=8 m=17
